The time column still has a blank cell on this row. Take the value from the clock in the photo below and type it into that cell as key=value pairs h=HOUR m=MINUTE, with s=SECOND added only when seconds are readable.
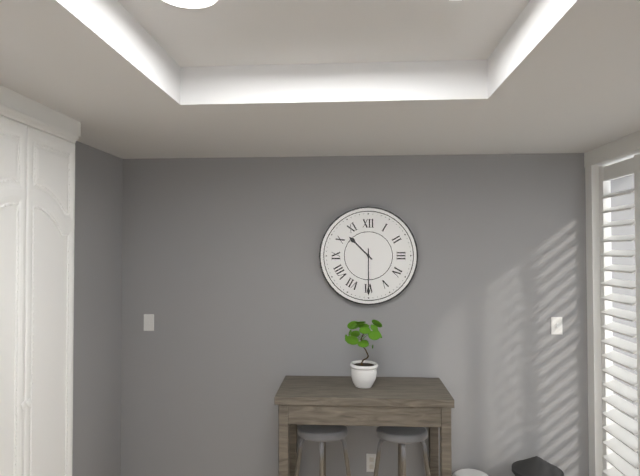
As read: h=10 m=30
